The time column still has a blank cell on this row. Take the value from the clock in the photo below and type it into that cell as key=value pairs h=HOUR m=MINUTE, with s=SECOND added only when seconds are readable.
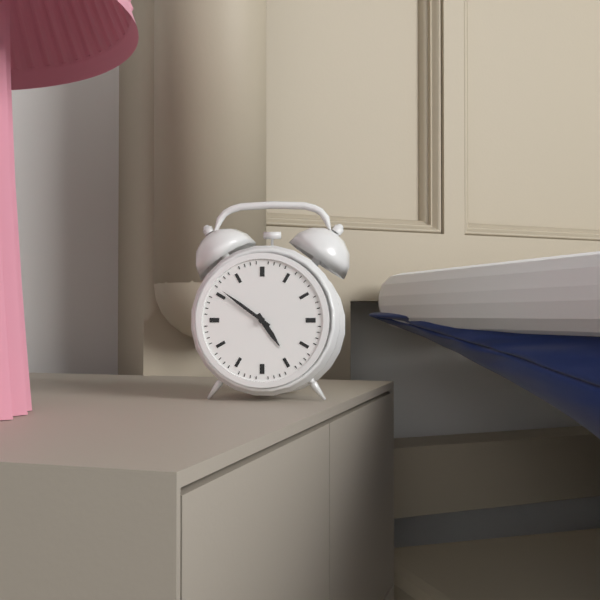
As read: h=4 m=51
